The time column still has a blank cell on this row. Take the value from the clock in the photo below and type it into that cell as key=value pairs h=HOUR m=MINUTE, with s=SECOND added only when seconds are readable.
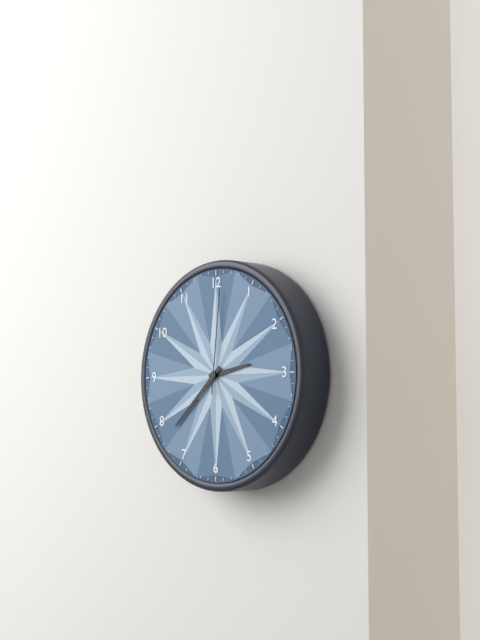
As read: h=2 m=38 s=1
